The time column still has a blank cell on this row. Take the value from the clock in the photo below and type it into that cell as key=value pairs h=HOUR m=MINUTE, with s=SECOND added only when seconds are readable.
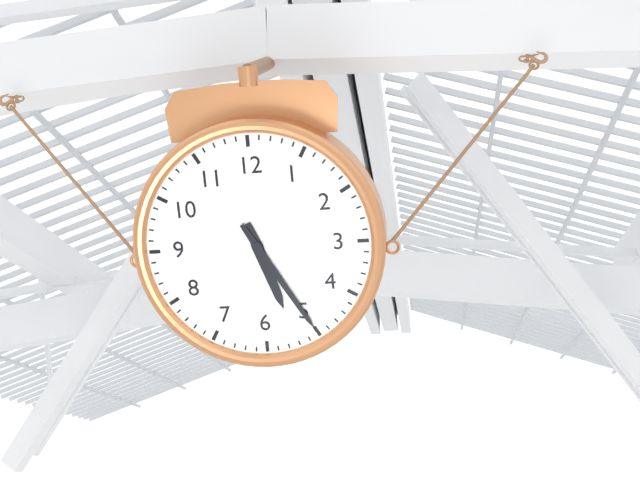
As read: h=5 m=25
